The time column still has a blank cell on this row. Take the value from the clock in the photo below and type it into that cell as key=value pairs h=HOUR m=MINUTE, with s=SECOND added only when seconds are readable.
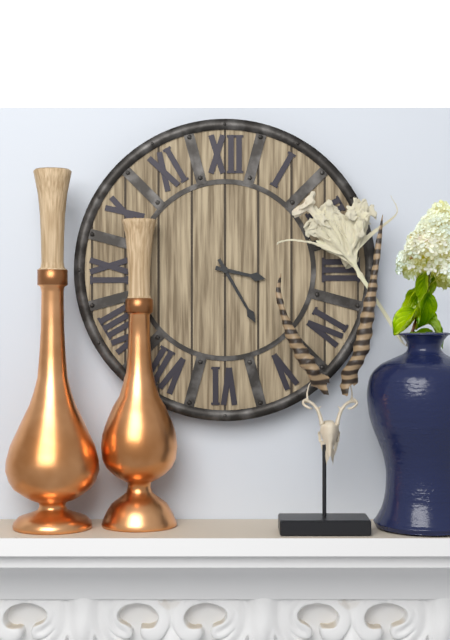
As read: h=3 m=25
